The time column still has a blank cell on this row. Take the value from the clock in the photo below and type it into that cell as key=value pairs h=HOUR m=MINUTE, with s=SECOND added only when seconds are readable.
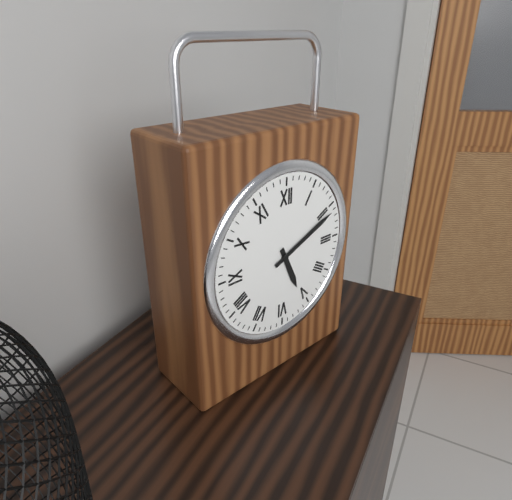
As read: h=5 m=11
